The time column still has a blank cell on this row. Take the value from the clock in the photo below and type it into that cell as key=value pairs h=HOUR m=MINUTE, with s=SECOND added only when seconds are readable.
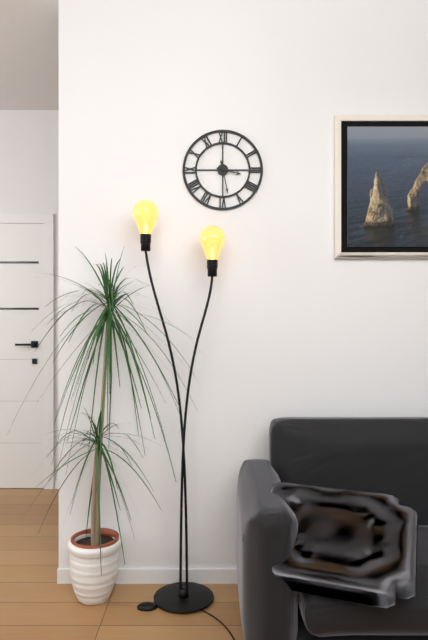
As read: h=3 m=28
